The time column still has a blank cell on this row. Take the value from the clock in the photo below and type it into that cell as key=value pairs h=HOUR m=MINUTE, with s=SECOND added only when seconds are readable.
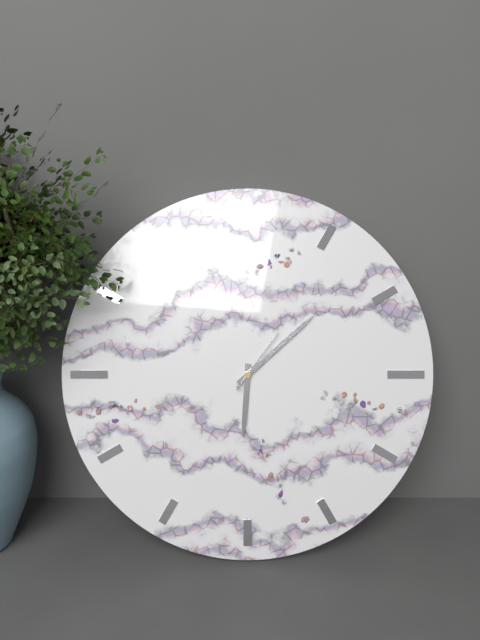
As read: h=6 m=8 s=6
